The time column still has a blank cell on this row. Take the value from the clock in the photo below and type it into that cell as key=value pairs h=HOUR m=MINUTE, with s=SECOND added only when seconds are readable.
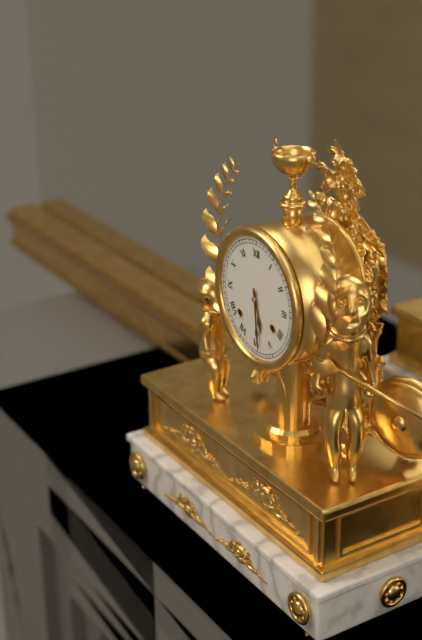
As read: h=5 m=29
